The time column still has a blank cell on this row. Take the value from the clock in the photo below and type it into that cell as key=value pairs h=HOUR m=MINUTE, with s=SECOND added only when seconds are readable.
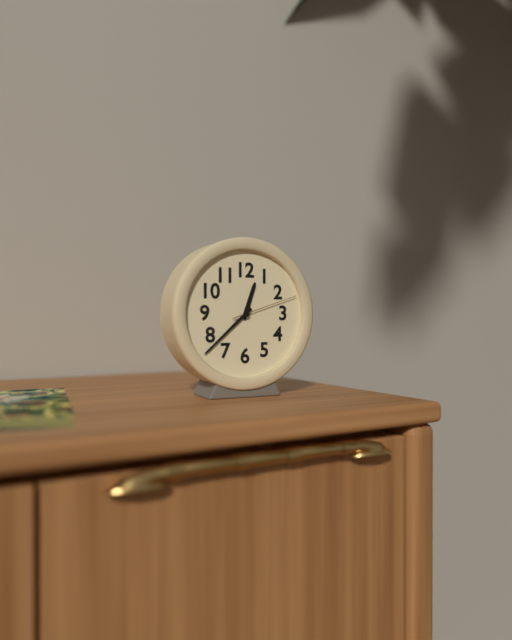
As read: h=12 m=38 s=12
